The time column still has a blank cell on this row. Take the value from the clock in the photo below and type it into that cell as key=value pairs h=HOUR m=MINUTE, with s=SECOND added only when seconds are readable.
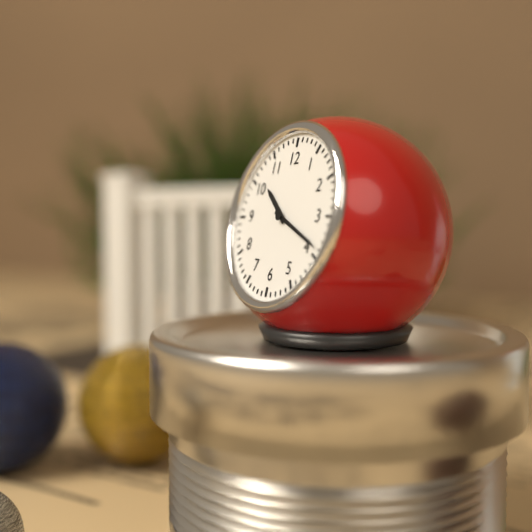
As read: h=10 m=19
